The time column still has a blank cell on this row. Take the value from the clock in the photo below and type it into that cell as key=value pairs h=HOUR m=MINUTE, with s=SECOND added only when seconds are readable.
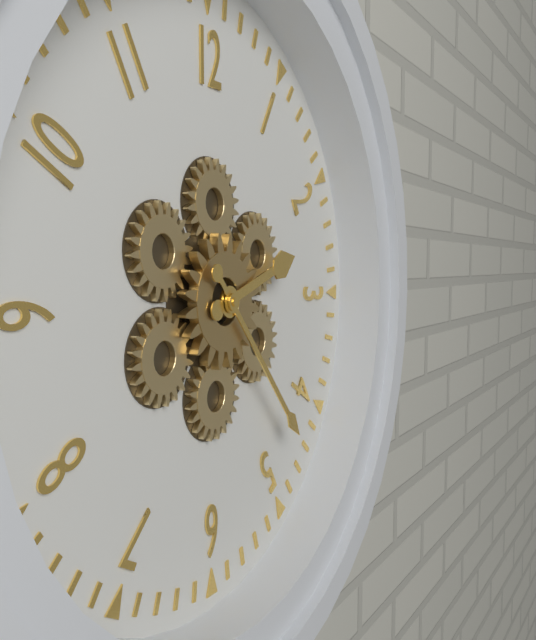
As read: h=2 m=23
